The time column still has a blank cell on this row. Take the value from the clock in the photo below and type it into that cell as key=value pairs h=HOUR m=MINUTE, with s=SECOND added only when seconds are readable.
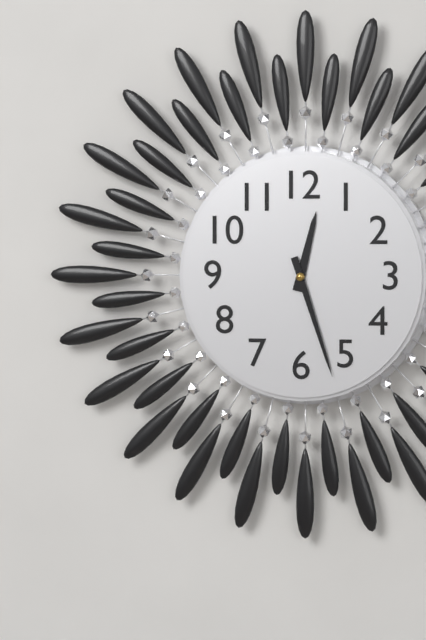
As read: h=12 m=27
